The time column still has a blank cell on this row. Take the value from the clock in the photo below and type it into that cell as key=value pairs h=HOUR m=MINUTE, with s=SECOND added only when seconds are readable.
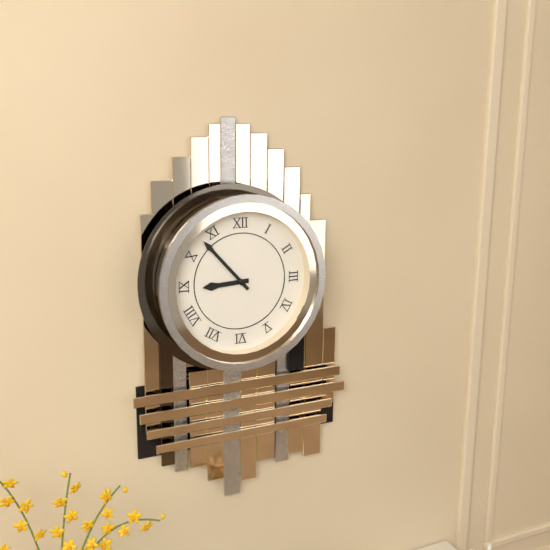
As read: h=8 m=53
